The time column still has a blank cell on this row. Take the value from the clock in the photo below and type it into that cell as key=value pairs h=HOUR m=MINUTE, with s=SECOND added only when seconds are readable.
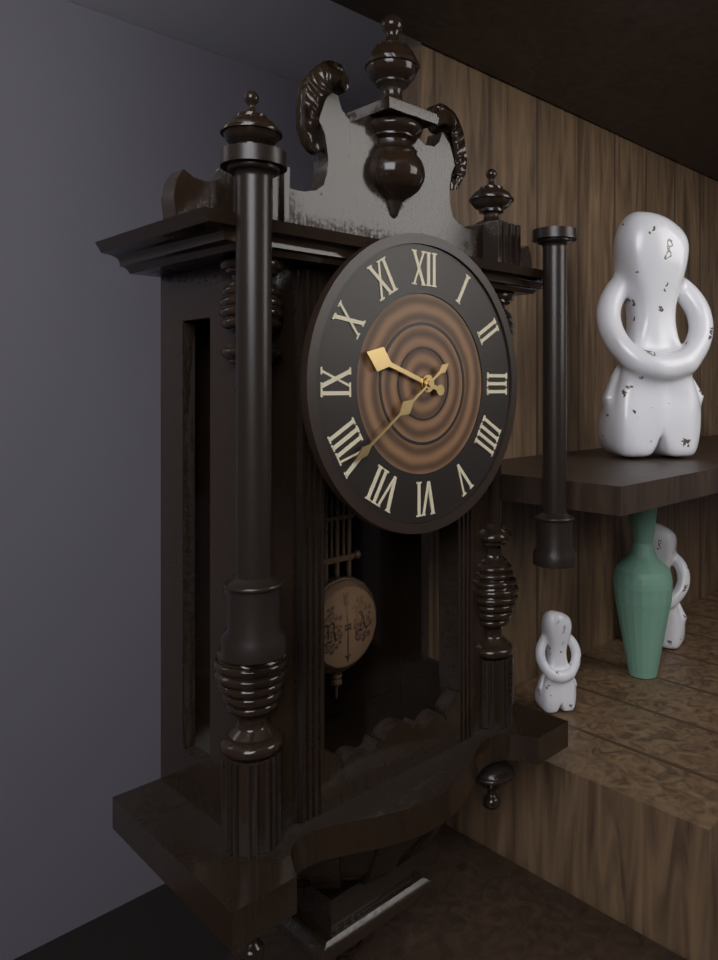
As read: h=9 m=39
